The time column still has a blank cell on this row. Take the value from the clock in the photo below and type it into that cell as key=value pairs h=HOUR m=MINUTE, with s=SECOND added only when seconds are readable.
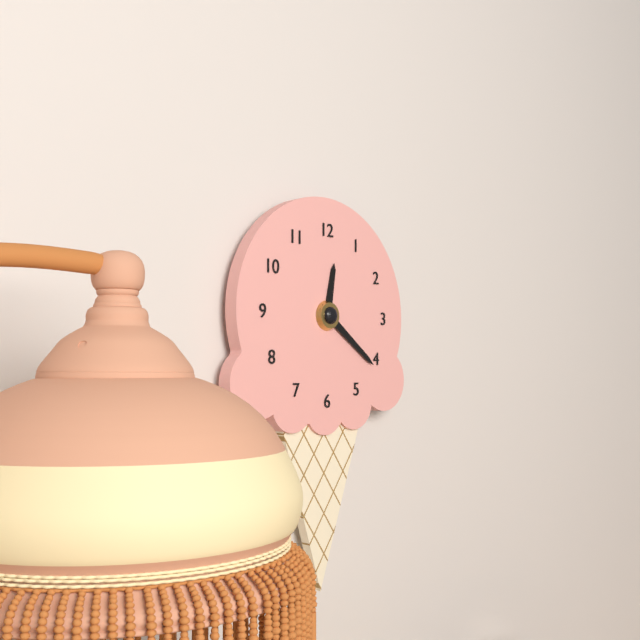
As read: h=12 m=21
